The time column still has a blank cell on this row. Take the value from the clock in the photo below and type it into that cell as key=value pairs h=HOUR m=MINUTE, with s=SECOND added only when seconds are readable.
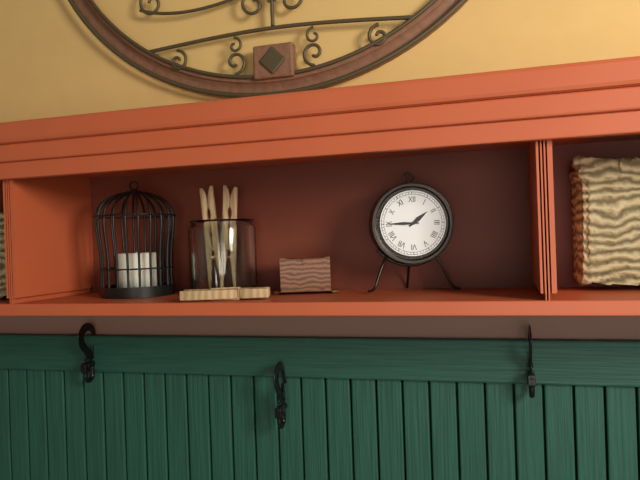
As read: h=1 m=45
